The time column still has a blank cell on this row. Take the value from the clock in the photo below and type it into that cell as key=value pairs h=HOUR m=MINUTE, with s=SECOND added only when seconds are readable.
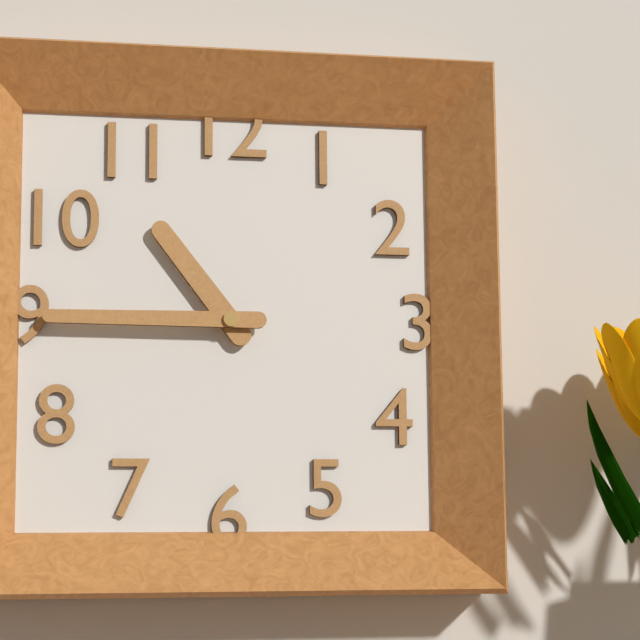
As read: h=10 m=45
